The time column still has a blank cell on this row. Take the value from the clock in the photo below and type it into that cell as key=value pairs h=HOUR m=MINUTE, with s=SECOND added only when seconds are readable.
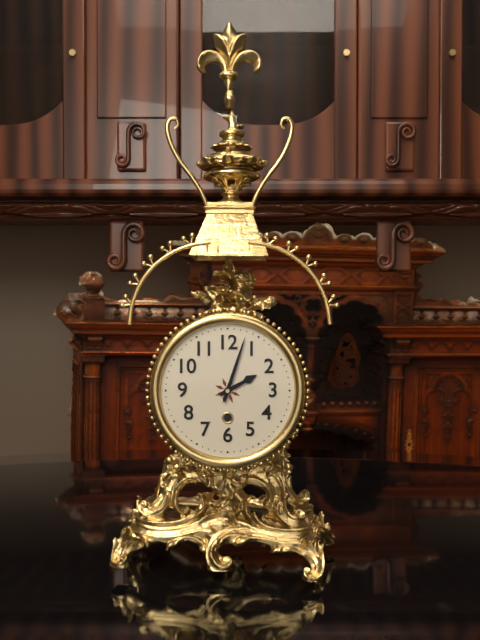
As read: h=2 m=3
